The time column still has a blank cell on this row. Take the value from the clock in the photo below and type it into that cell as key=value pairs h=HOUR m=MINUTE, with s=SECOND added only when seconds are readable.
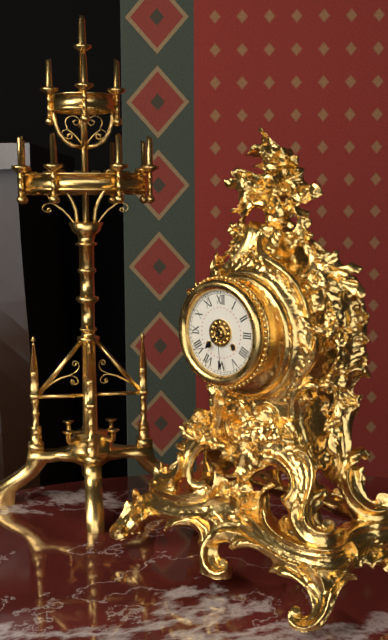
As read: h=7 m=29
